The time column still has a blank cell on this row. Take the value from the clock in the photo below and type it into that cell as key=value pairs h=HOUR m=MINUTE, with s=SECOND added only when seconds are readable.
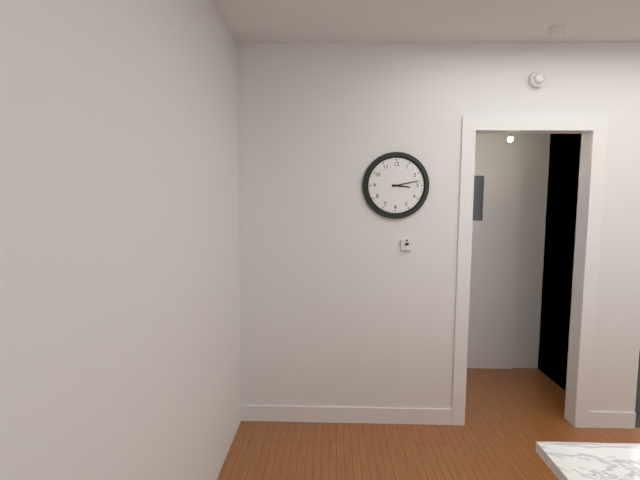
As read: h=3 m=13
